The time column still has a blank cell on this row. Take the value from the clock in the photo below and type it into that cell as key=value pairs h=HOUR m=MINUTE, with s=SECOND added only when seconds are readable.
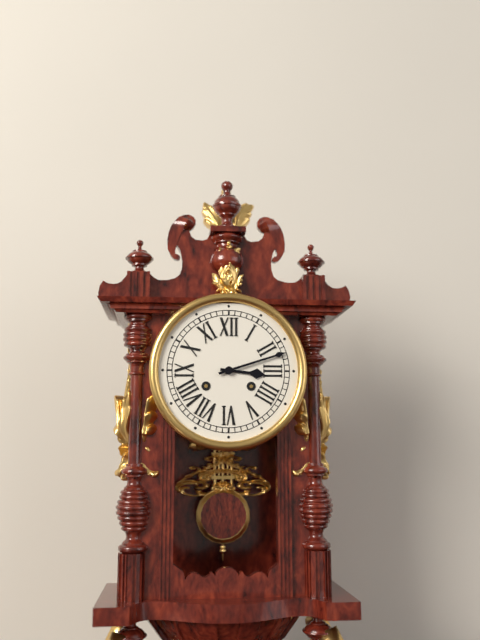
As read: h=3 m=12
